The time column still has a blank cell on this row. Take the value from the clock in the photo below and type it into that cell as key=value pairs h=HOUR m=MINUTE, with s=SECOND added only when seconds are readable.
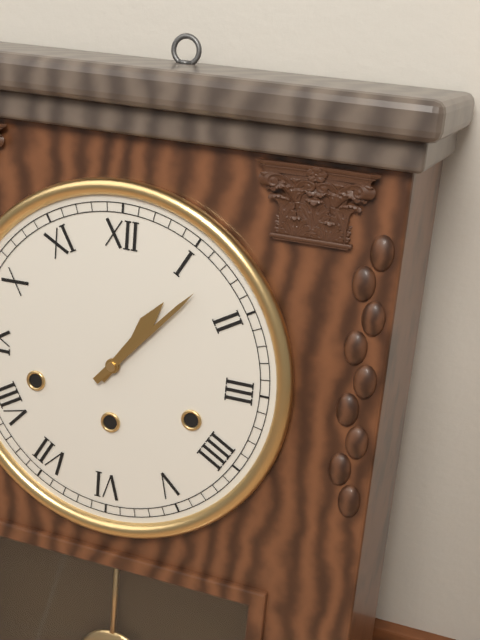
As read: h=1 m=7
